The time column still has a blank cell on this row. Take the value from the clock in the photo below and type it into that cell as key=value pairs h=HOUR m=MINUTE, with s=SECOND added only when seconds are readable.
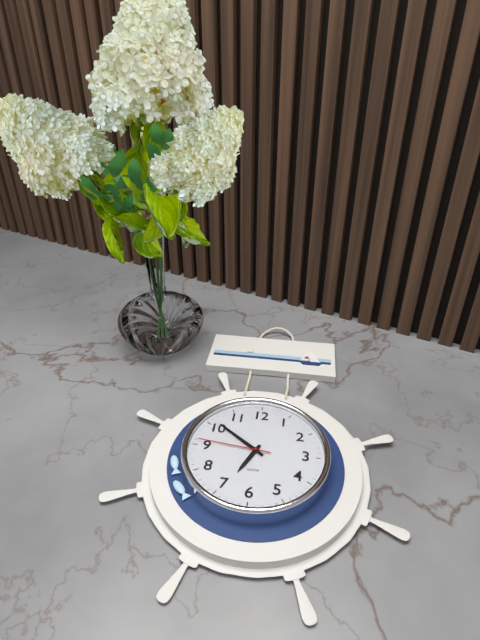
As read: h=6 m=51 s=46
